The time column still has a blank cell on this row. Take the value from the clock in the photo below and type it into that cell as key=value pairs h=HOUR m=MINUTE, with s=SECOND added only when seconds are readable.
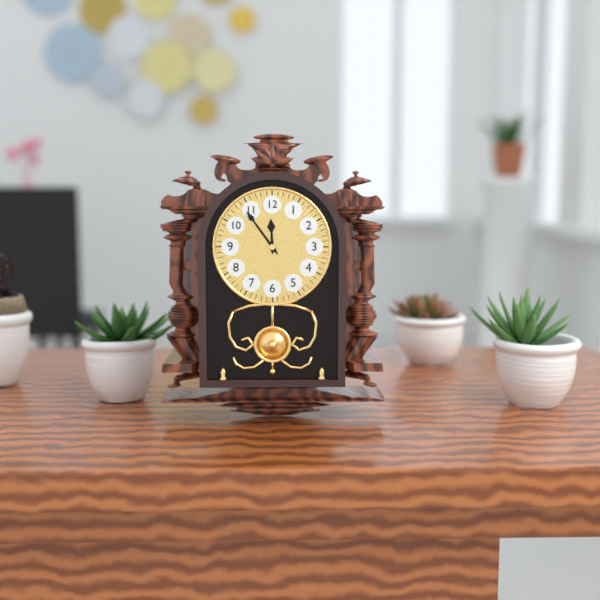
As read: h=11 m=54
